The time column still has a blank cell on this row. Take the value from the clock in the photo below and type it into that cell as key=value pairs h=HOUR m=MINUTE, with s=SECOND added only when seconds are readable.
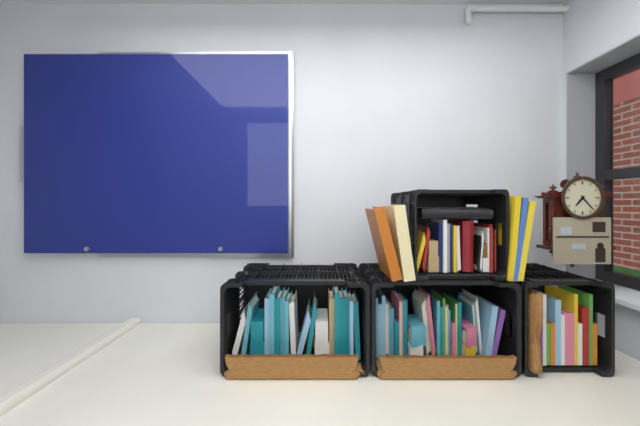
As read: h=7 m=23
